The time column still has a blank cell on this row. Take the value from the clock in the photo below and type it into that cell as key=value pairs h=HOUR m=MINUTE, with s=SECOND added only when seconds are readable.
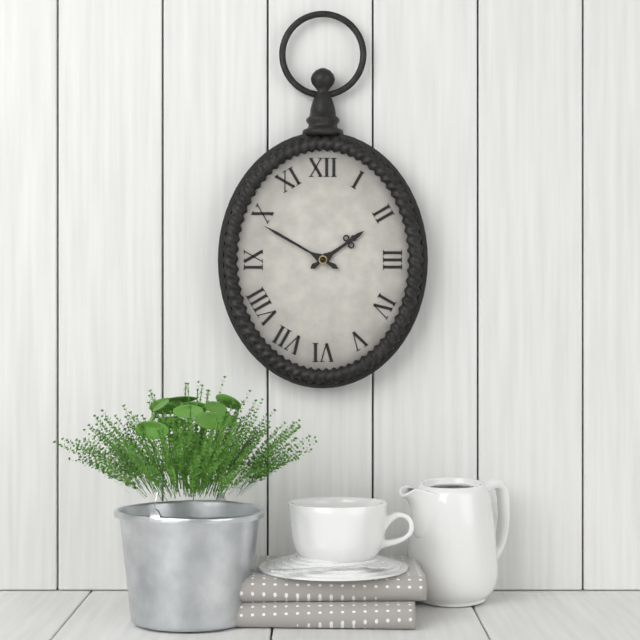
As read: h=1 m=50
